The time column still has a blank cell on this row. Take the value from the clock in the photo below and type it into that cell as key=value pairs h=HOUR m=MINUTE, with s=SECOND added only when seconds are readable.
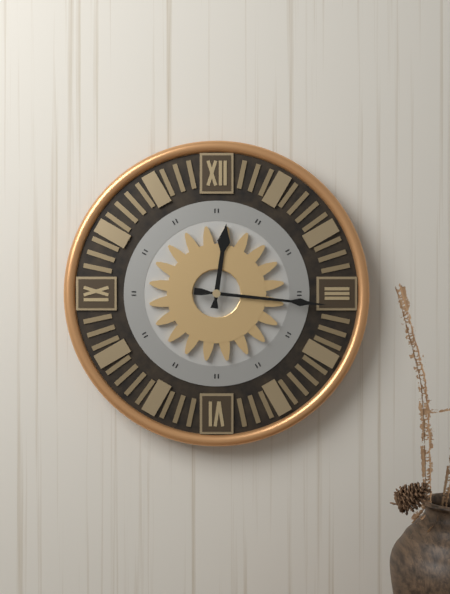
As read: h=12 m=16
